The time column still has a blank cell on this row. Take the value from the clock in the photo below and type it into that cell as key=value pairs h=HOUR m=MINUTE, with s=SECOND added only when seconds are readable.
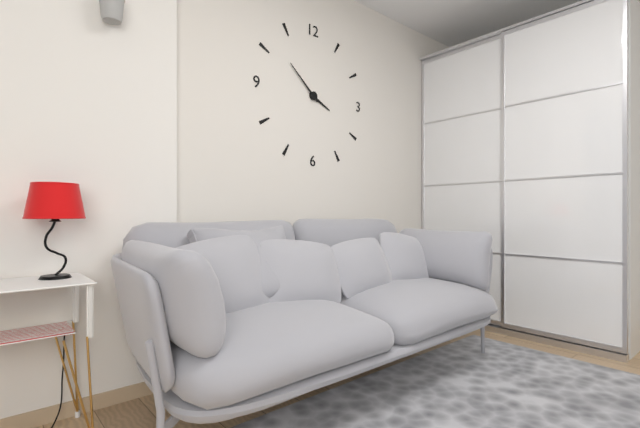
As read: h=3 m=52
